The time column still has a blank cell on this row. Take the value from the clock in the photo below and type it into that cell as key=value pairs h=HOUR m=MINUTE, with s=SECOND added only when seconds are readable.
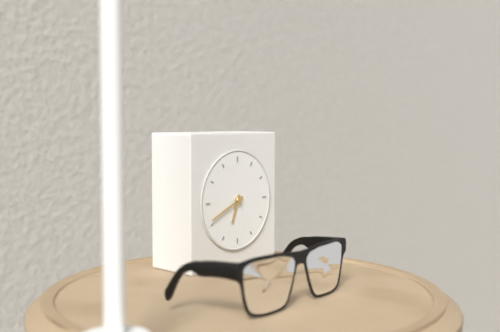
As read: h=6 m=41
